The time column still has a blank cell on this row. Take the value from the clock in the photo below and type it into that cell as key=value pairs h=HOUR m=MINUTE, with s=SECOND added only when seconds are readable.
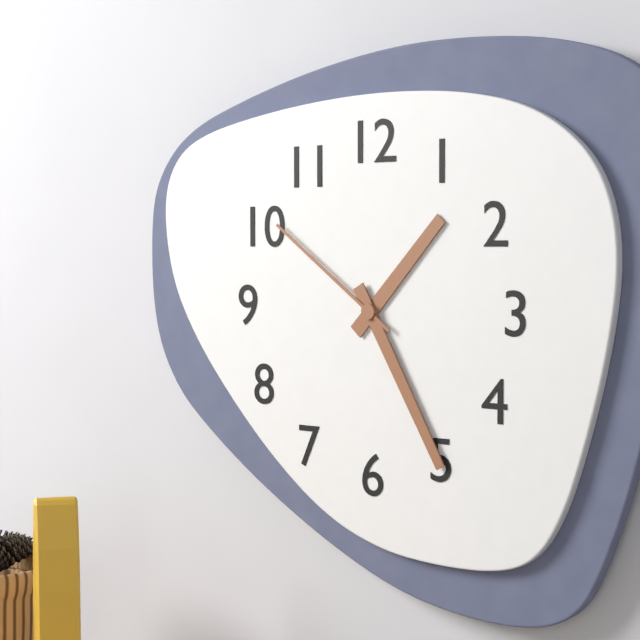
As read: h=1 m=25 s=51
